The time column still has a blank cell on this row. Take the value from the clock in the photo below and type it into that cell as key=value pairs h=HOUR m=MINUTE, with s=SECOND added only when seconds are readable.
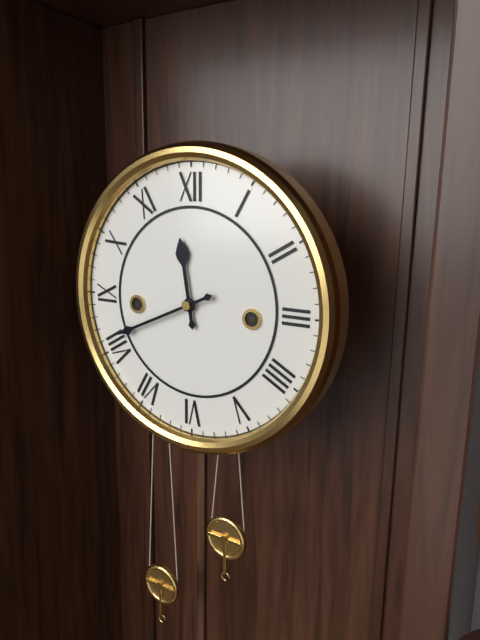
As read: h=11 m=41
